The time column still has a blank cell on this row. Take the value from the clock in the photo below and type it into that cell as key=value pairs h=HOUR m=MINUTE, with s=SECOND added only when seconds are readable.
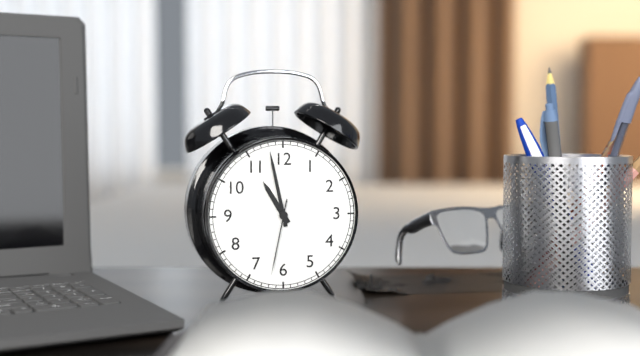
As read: h=10 m=58 s=32
